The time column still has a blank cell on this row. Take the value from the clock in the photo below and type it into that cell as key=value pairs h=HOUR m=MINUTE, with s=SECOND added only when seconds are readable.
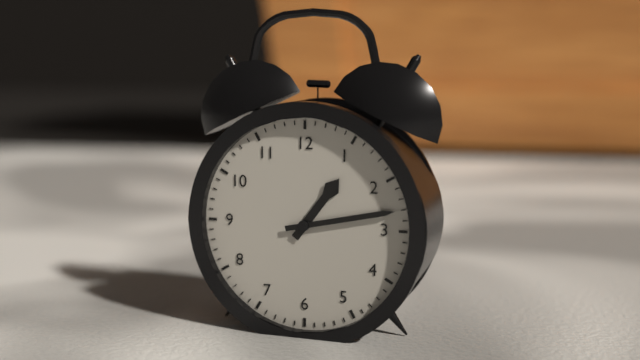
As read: h=1 m=13
